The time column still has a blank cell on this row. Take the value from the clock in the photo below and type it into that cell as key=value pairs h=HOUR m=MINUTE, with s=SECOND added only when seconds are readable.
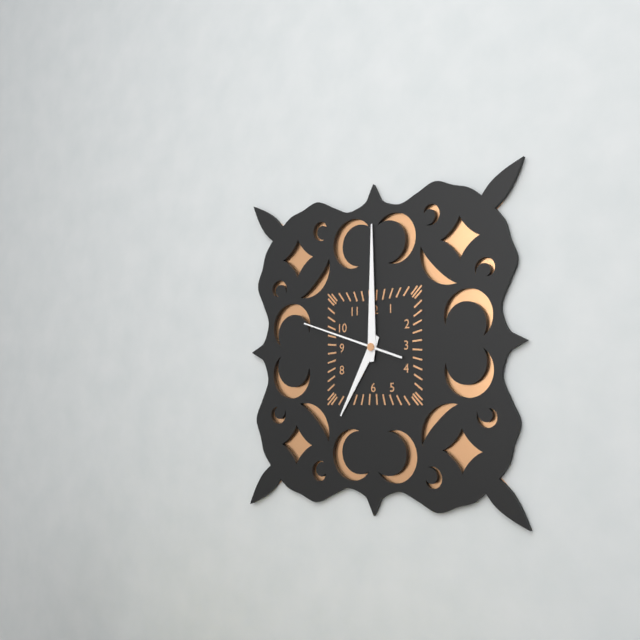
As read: h=7 m=0 s=48
